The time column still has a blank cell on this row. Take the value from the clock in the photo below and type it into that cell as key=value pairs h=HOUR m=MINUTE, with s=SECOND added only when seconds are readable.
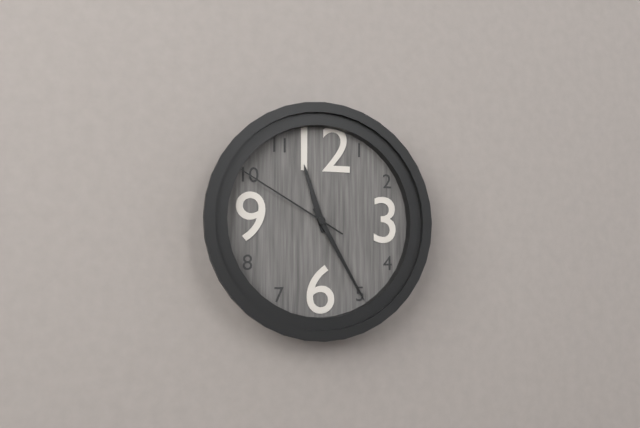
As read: h=11 m=25 s=50
